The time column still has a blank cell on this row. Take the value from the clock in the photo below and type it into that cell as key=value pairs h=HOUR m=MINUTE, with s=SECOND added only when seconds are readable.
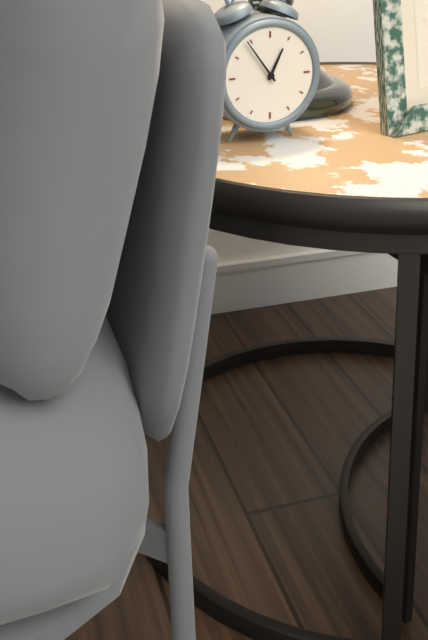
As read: h=12 m=54
